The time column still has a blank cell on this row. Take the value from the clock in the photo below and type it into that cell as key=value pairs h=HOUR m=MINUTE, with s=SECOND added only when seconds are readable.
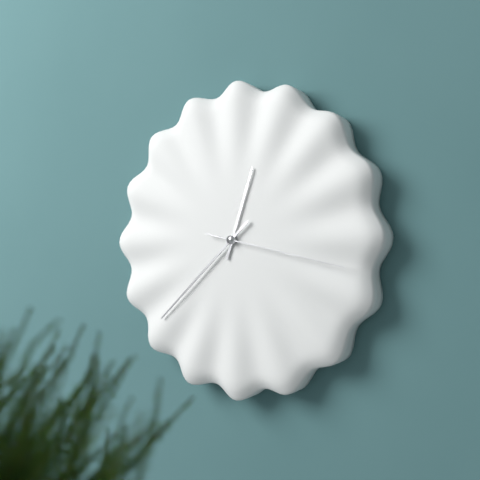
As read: h=12 m=38 s=17
